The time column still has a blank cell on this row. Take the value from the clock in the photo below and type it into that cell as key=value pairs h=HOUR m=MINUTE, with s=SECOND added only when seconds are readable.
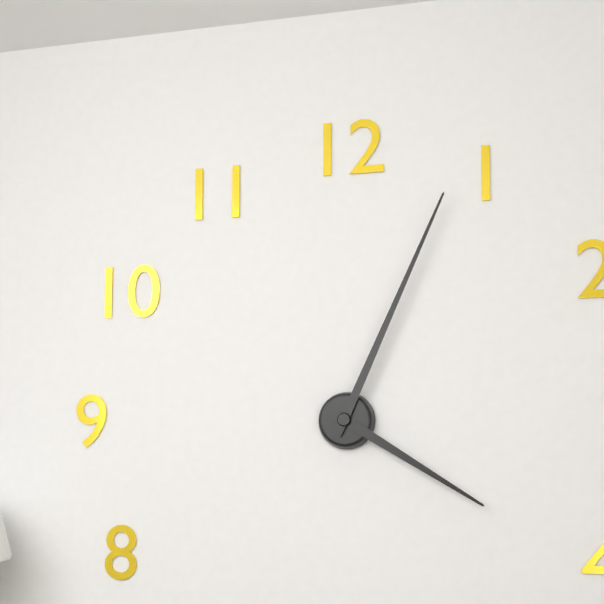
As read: h=4 m=4
